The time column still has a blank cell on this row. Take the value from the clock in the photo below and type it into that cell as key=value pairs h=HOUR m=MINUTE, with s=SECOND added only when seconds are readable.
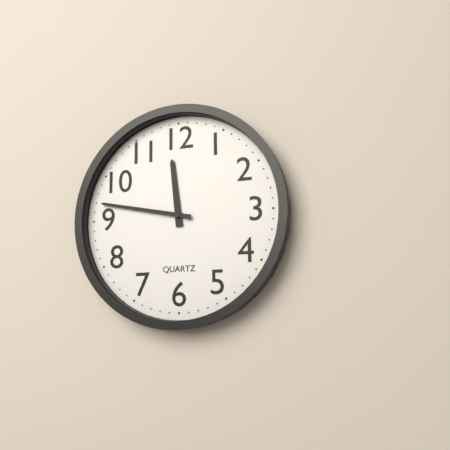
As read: h=11 m=47
